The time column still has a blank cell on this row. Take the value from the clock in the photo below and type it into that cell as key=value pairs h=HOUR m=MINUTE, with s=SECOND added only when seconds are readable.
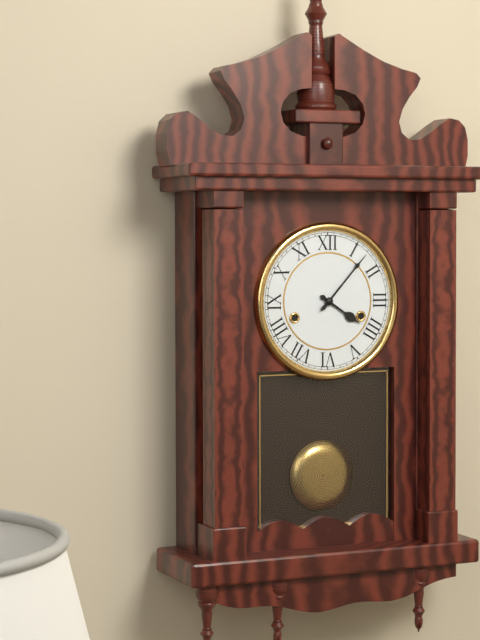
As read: h=4 m=7
